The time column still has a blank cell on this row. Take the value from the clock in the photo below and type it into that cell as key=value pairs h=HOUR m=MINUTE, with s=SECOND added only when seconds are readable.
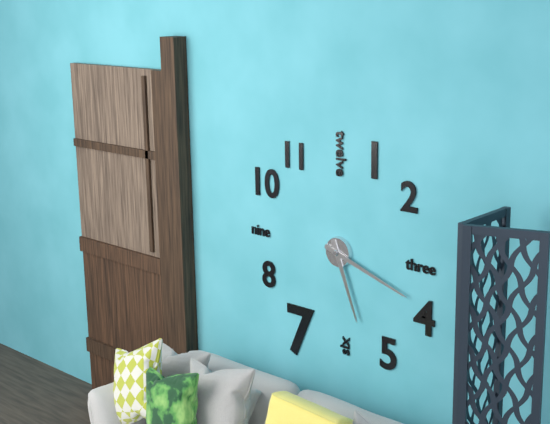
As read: h=5 m=18
